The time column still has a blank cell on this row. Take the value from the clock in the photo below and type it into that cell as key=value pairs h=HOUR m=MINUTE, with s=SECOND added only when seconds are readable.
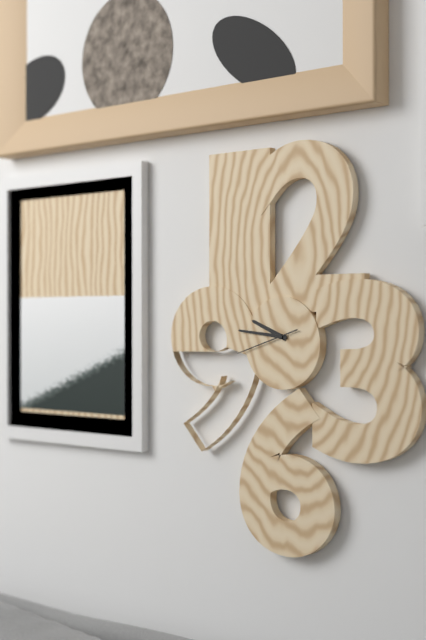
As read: h=9 m=46 s=42
